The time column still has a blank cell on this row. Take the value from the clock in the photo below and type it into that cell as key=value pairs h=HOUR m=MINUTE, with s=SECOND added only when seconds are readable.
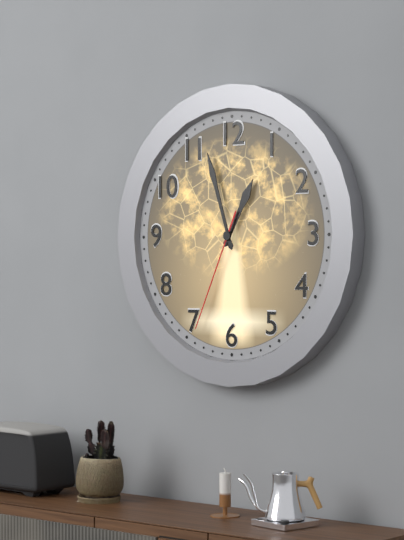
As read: h=12 m=57 s=34
